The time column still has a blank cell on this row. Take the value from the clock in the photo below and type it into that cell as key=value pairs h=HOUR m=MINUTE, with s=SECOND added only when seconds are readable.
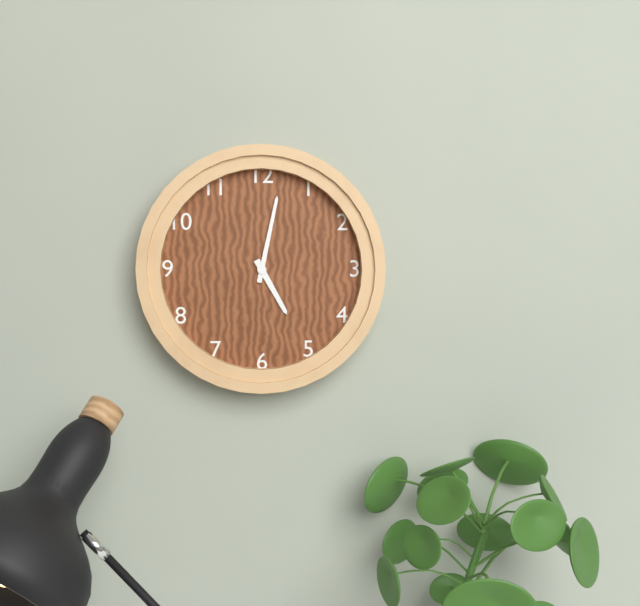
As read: h=5 m=2
